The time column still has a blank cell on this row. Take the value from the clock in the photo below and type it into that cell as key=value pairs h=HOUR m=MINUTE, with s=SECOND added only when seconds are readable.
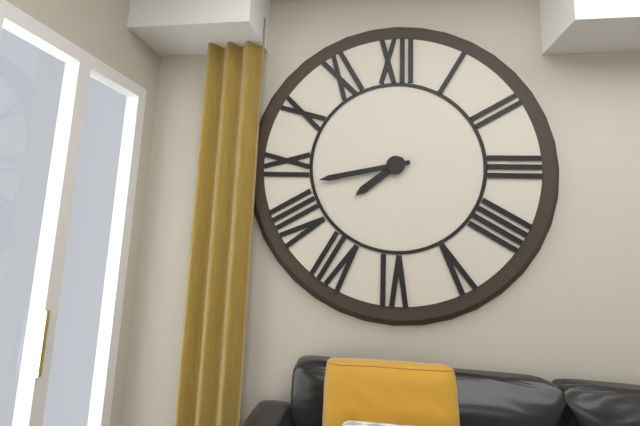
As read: h=7 m=43
